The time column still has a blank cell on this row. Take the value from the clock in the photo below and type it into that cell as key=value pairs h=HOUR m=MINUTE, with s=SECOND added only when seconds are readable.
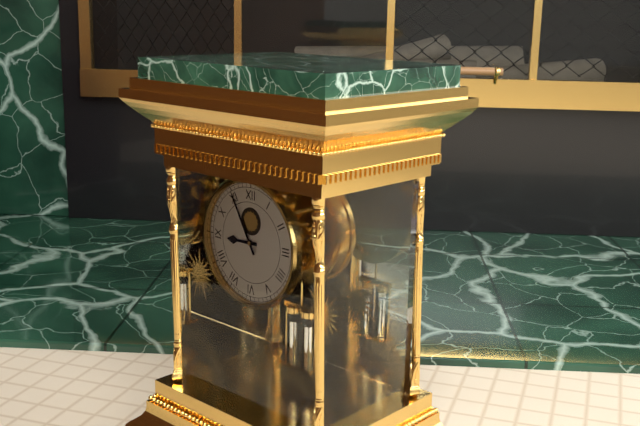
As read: h=8 m=55
